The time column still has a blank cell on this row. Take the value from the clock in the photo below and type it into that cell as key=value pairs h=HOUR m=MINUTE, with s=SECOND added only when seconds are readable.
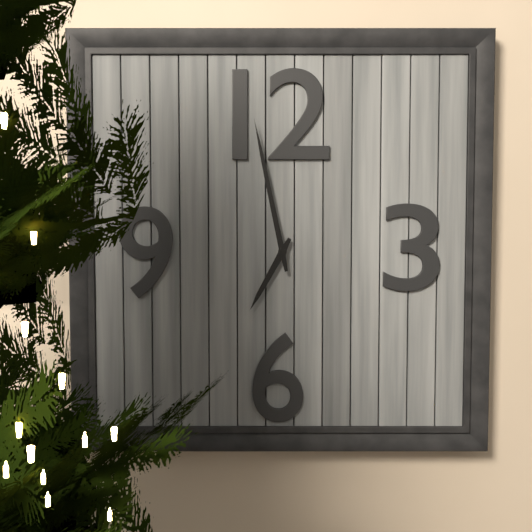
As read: h=6 m=58
